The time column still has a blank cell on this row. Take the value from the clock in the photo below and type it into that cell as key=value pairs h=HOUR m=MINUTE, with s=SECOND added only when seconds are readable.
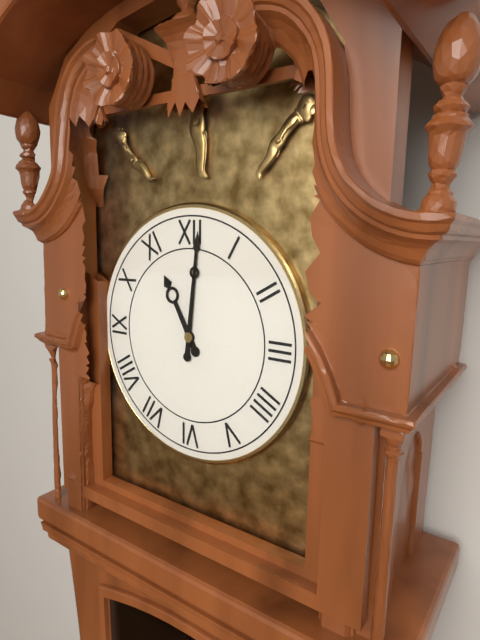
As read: h=11 m=1
